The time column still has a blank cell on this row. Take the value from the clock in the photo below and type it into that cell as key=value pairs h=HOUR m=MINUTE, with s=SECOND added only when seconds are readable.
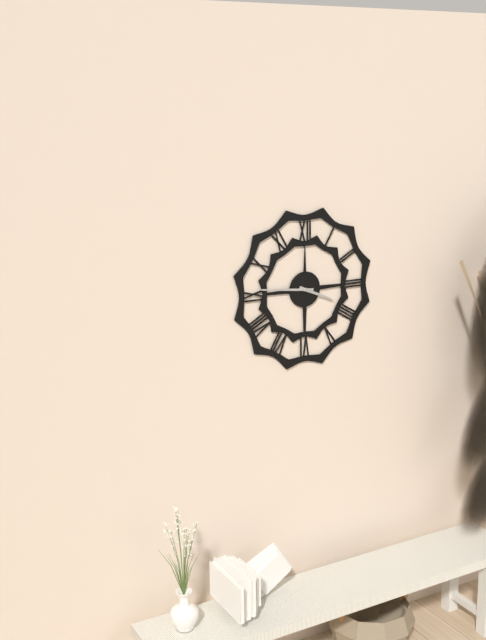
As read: h=3 m=46
